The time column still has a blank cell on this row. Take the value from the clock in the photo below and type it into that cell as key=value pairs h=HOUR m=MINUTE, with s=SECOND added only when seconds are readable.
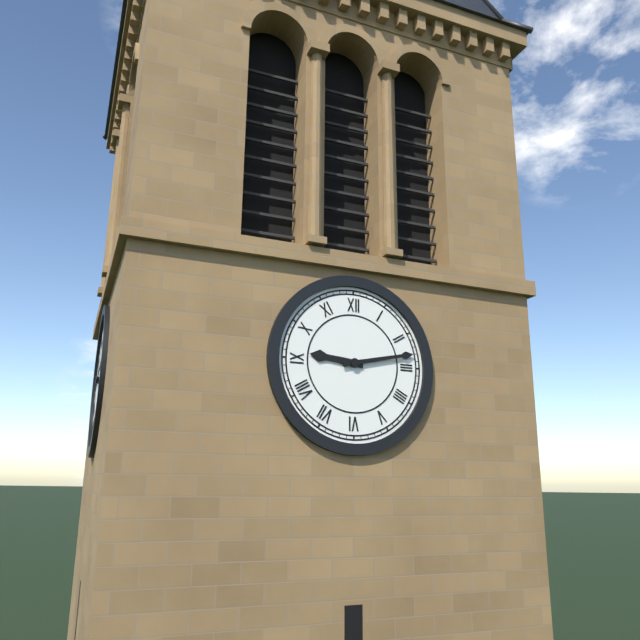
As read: h=9 m=13
